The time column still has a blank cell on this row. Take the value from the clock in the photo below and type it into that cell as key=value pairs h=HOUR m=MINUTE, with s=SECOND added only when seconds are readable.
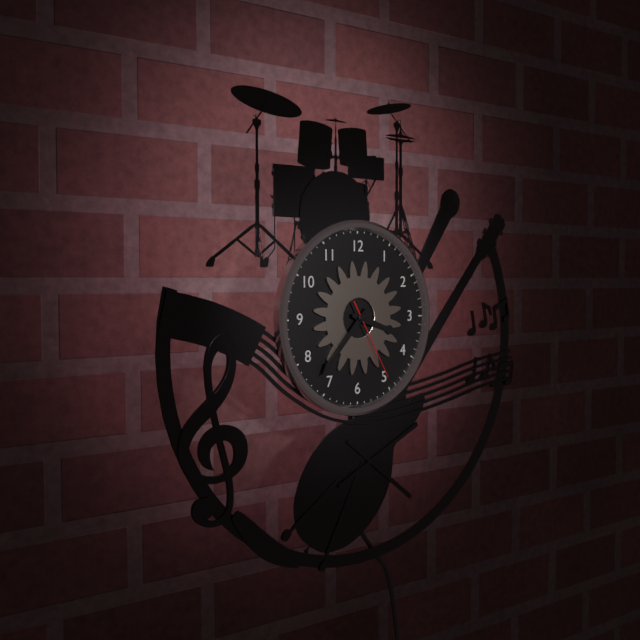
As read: h=3 m=37 s=25
